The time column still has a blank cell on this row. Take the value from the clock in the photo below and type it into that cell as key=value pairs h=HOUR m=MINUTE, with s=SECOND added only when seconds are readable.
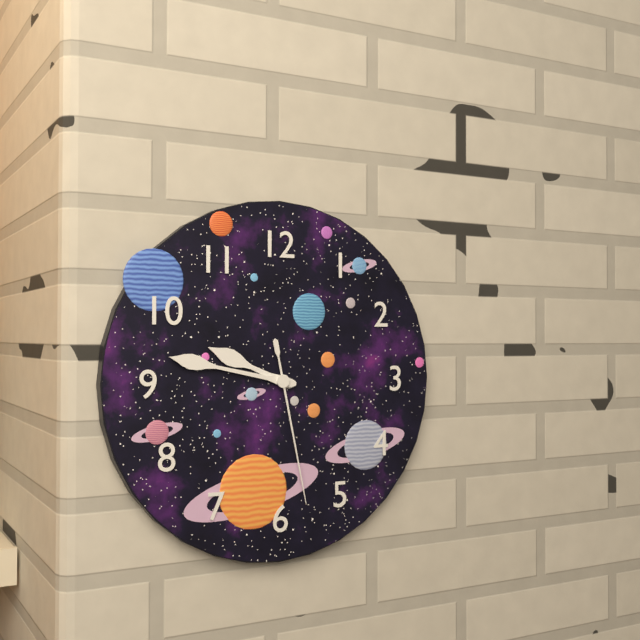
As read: h=9 m=47 s=28
